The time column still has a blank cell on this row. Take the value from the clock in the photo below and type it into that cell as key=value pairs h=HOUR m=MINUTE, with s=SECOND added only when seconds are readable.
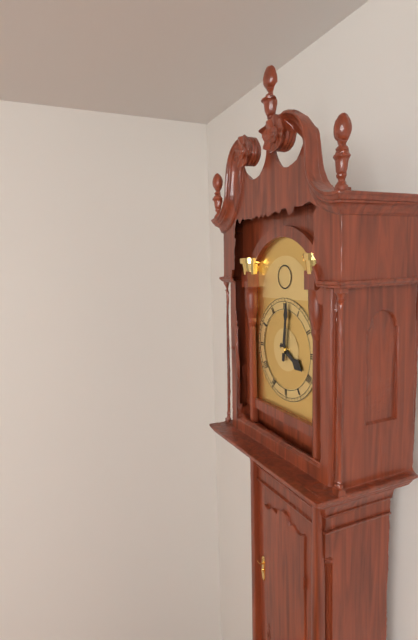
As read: h=4 m=1
